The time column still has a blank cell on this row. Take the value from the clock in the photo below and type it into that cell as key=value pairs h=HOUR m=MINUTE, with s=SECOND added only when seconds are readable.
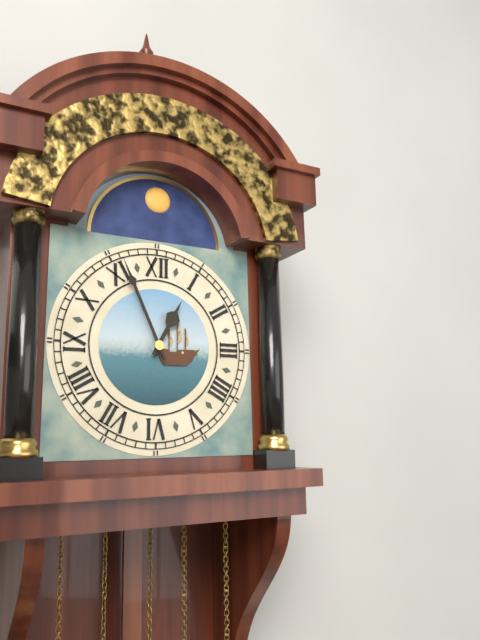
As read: h=12 m=56
